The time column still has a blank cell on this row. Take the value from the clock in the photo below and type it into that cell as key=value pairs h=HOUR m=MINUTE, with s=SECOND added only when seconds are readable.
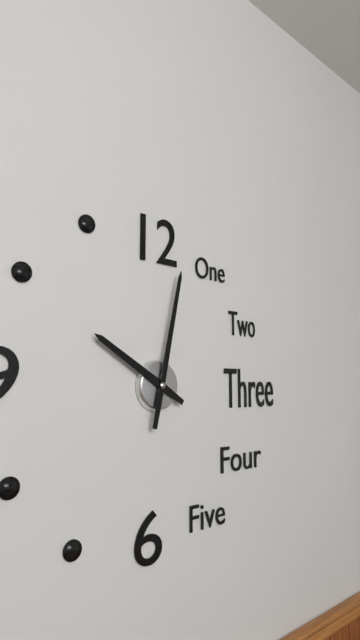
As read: h=10 m=2
